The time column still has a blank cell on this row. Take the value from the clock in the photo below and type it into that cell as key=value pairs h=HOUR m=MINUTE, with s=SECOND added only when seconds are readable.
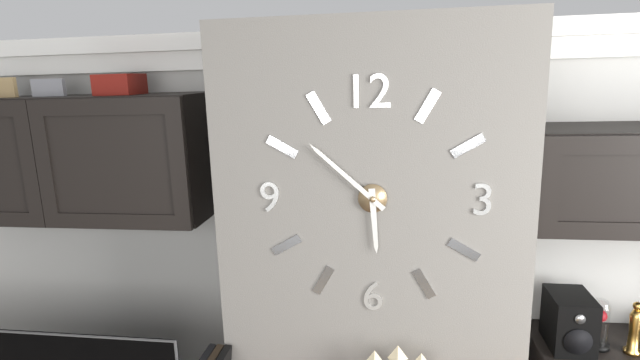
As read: h=5 m=52
